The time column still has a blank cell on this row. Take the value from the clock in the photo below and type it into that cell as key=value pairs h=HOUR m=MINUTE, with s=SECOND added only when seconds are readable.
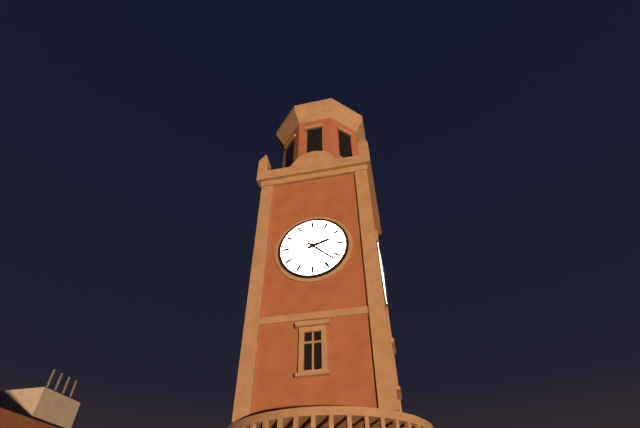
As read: h=2 m=22
